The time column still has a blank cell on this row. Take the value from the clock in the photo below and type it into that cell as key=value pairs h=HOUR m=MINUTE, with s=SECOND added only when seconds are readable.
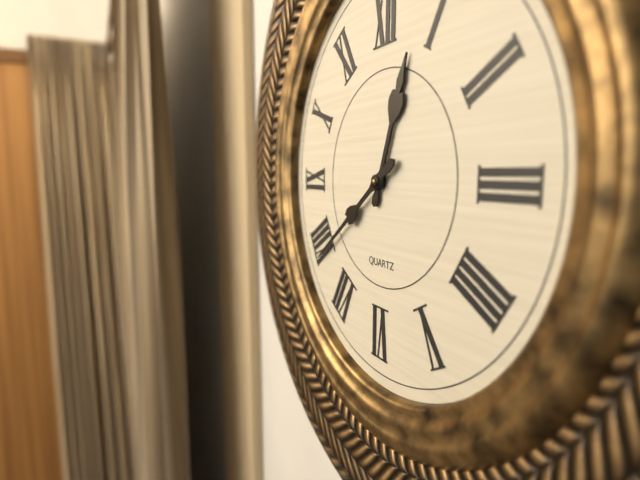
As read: h=12 m=39
